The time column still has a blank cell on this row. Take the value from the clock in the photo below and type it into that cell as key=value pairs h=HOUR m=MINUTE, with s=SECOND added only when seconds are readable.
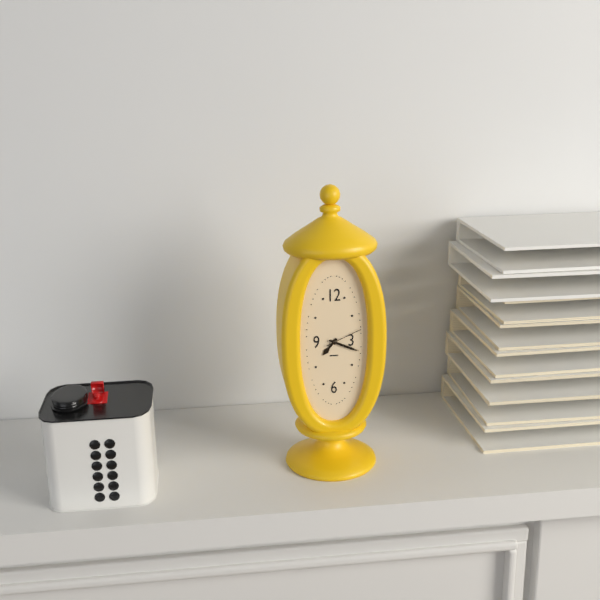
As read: h=7 m=19
